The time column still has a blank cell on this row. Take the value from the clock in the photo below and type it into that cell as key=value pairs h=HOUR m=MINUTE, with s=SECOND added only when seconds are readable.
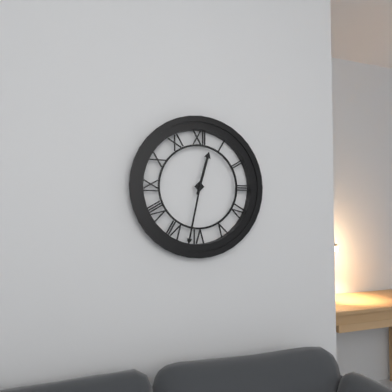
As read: h=12 m=32
